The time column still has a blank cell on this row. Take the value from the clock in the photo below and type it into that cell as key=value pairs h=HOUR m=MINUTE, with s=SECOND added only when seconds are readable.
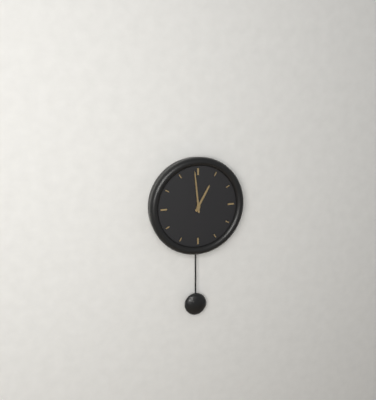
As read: h=12 m=59
